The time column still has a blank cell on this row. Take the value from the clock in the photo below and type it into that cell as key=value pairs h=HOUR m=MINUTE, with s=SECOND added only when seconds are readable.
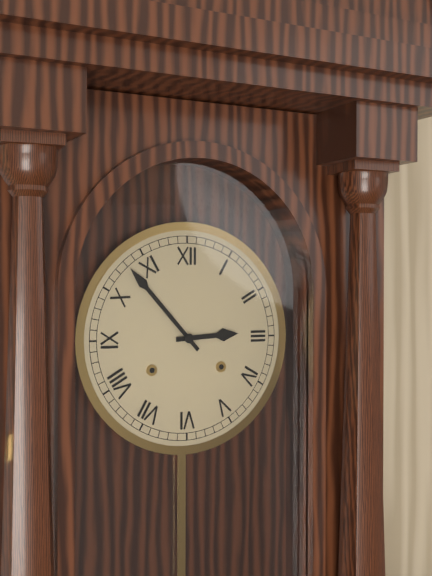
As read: h=2 m=53
